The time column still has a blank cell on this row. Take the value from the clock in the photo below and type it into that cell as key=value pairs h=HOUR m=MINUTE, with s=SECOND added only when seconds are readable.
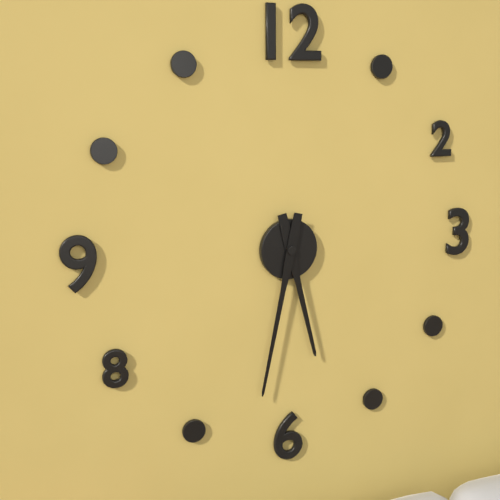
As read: h=5 m=32
